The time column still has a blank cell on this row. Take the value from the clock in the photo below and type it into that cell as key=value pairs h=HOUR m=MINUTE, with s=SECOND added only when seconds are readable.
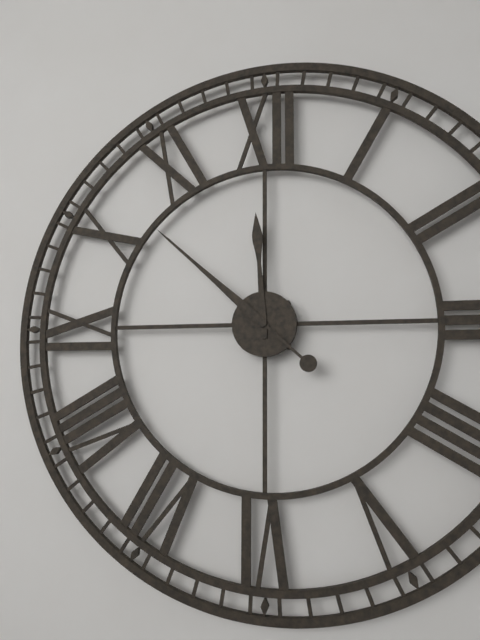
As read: h=11 m=52
